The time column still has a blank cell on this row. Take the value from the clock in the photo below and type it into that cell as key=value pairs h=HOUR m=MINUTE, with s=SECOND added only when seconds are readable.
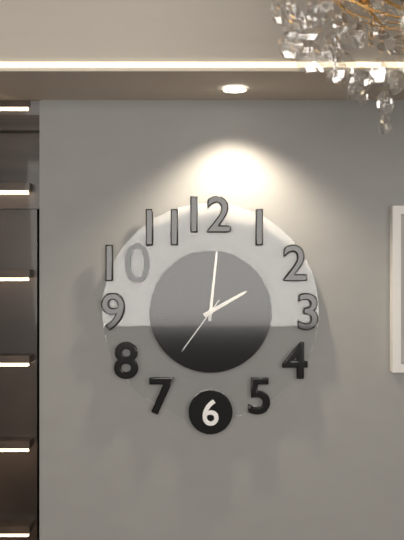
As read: h=2 m=1 s=36
